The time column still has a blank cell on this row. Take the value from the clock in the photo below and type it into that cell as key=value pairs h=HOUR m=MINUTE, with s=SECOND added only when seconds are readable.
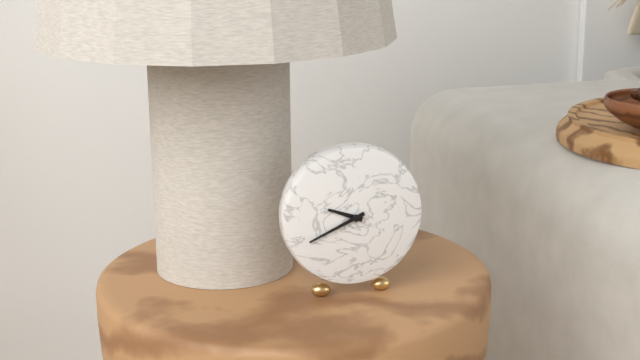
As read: h=9 m=41
